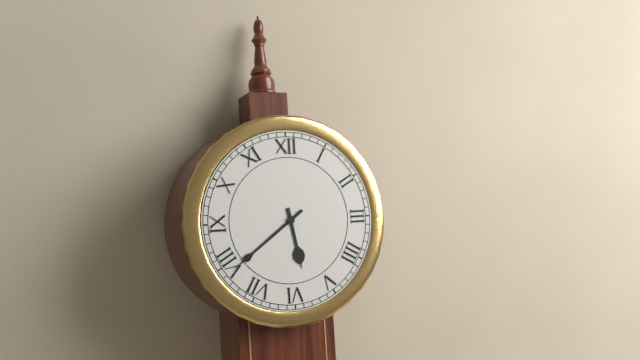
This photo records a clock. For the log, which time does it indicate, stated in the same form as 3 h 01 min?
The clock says 5 h 39 min
